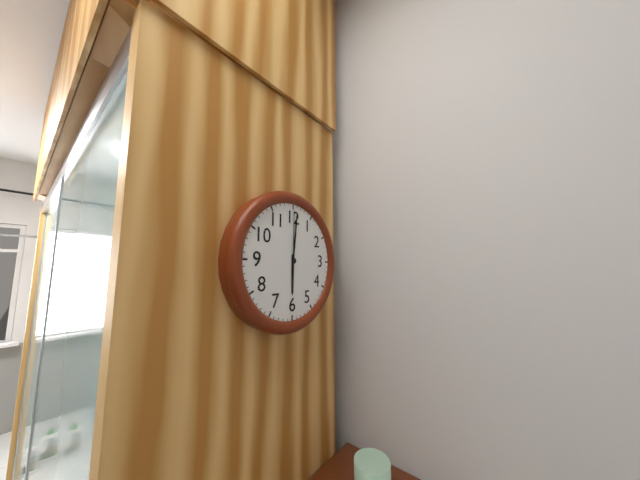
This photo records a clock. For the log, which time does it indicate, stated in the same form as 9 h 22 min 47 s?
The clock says 6 h 01 min 00 s
